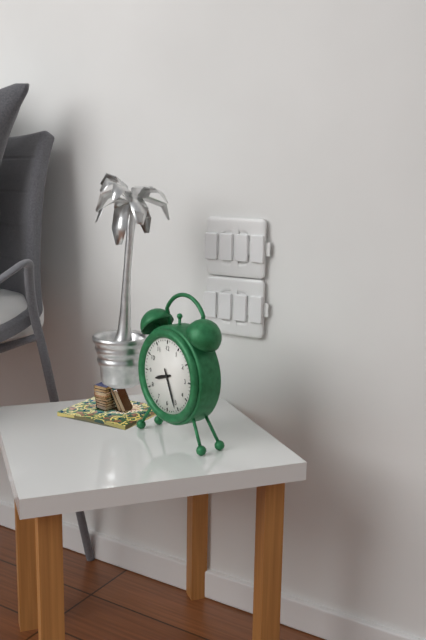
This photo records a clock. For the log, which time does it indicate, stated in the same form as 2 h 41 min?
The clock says 8 h 26 min
